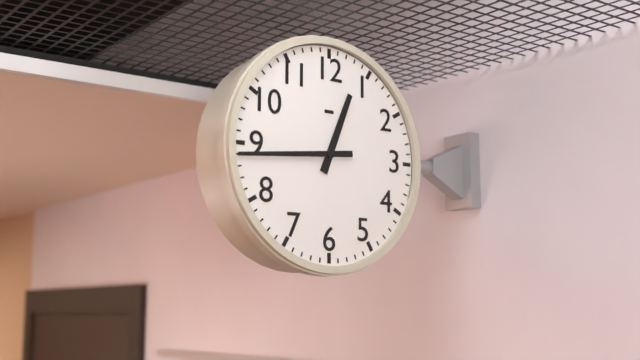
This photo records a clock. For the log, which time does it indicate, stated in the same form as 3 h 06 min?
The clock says 12 h 44 min
